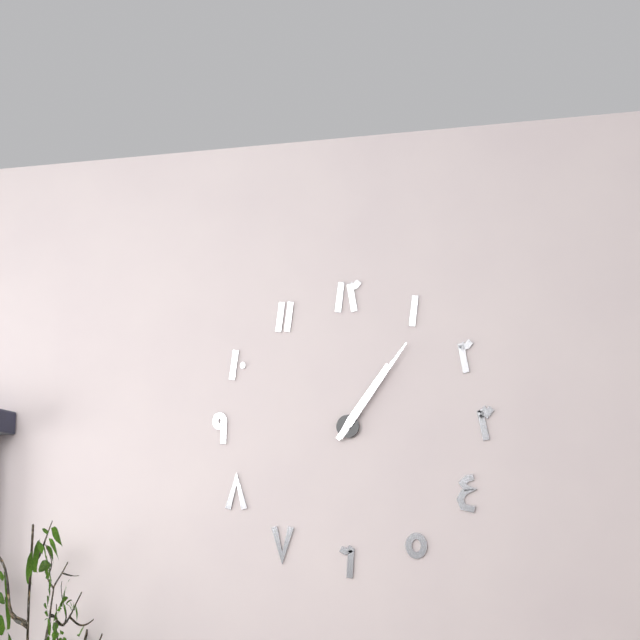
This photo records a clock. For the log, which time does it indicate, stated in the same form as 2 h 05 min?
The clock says 1 h 06 min
